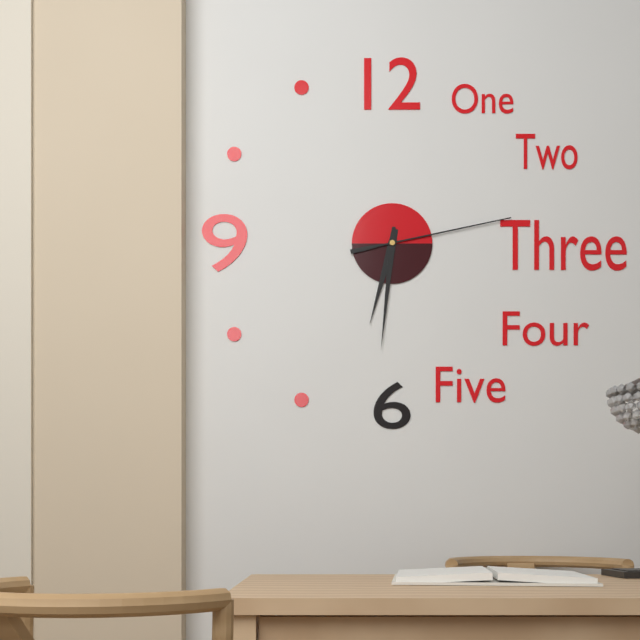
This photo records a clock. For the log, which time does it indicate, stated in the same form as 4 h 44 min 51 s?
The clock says 6 h 31 min 13 s
